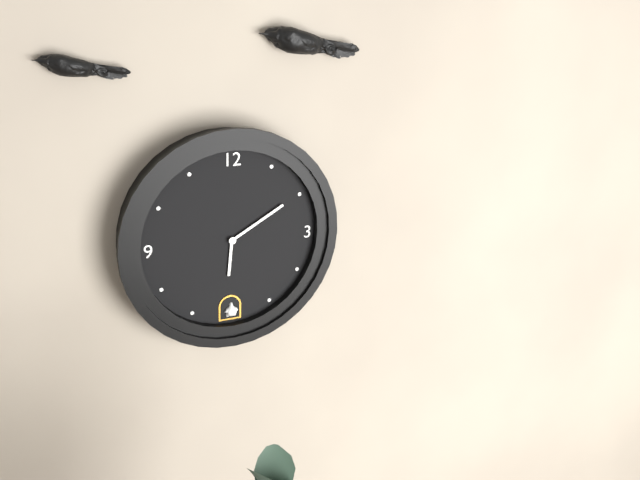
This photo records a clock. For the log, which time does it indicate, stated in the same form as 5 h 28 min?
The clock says 6 h 10 min
